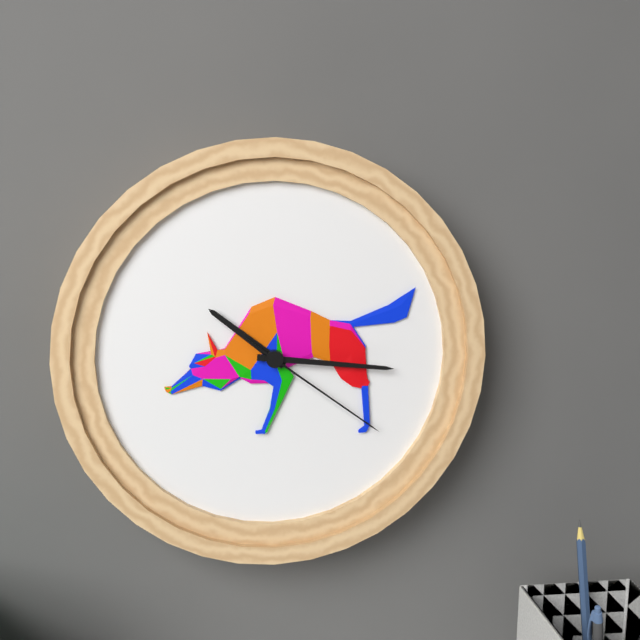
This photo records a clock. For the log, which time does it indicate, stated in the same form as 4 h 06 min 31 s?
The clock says 10 h 16 min 21 s
